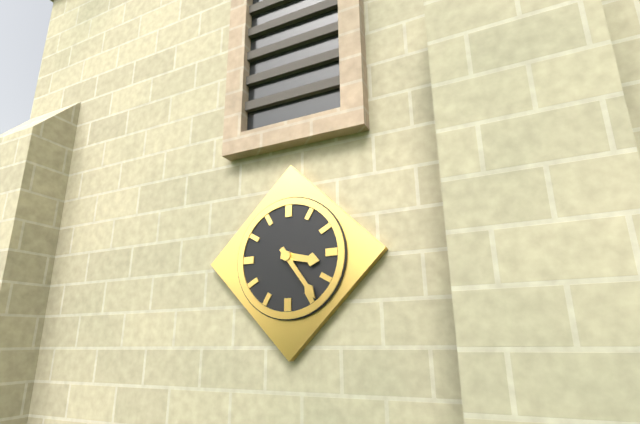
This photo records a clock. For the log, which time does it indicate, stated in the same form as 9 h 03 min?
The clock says 3 h 24 min
